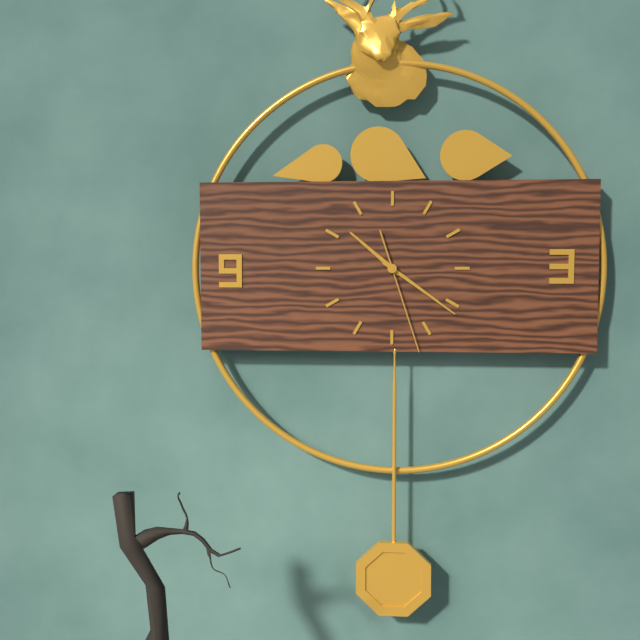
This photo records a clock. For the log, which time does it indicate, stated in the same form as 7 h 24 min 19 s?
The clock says 10 h 21 min 27 s
